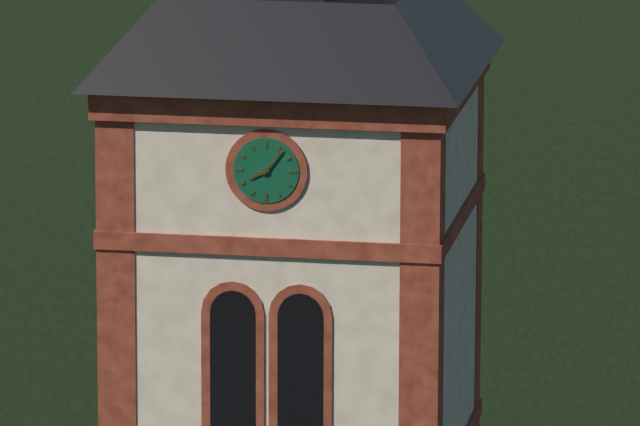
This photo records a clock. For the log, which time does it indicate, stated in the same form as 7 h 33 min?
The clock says 8 h 06 min
